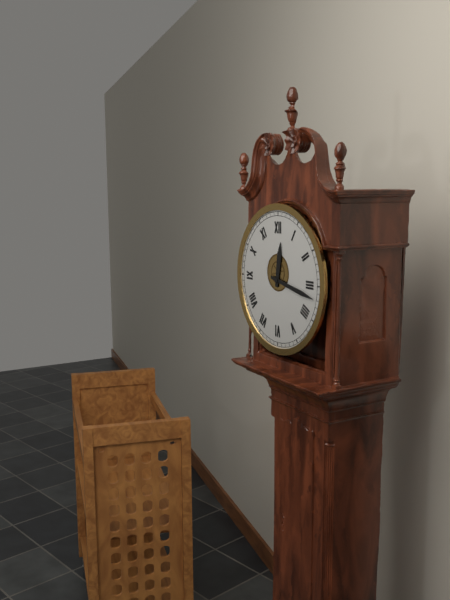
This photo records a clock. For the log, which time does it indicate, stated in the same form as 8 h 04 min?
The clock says 12 h 17 min
